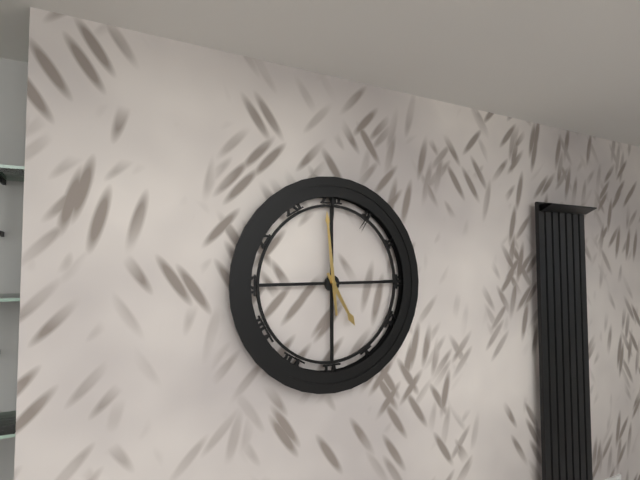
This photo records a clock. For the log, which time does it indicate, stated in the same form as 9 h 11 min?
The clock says 4 h 59 min
